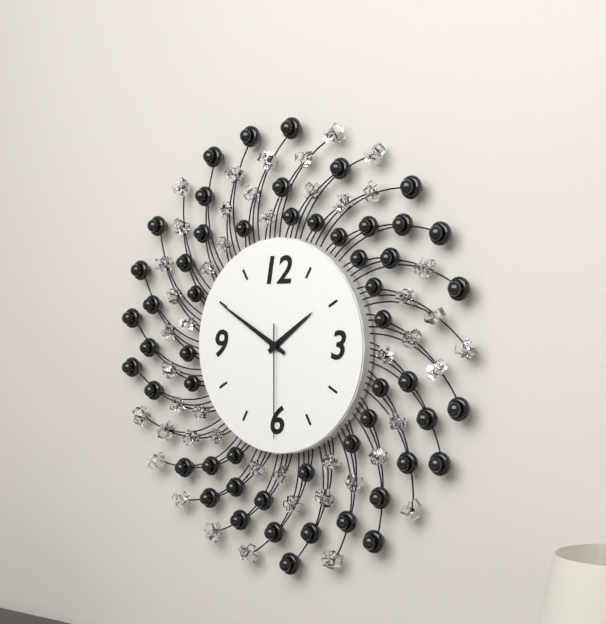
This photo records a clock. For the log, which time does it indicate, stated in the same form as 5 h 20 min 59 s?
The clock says 1 h 50 min 30 s
